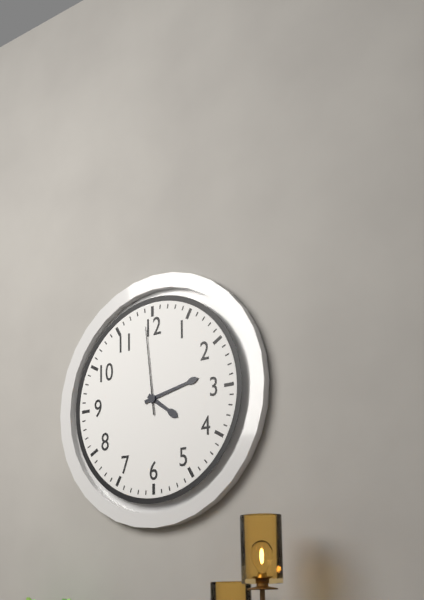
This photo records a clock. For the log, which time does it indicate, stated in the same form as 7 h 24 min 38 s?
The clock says 4 h 13 min 59 s
